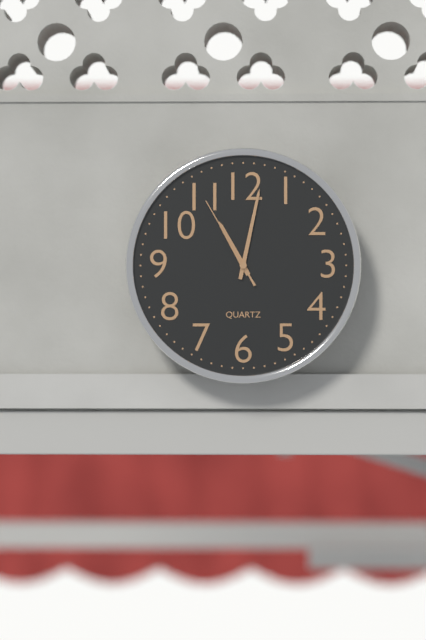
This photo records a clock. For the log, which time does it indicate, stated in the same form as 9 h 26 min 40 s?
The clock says 11 h 02 min 55 s
